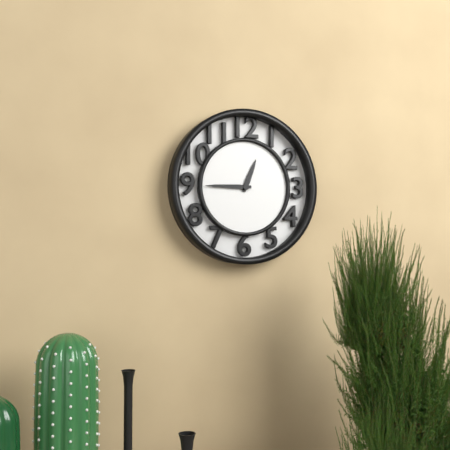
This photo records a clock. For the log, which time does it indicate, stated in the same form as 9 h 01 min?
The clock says 12 h 45 min
